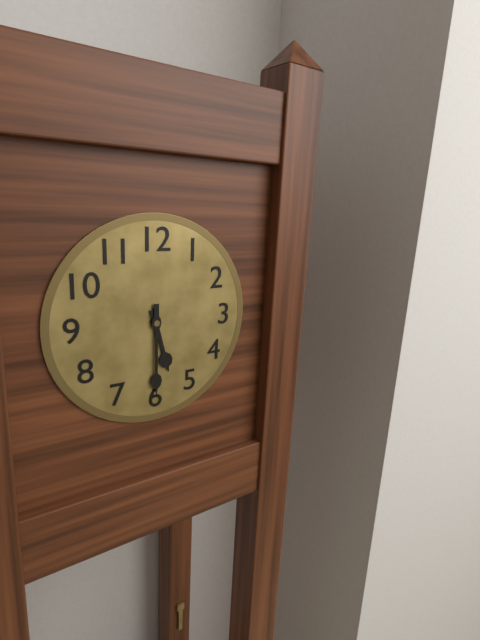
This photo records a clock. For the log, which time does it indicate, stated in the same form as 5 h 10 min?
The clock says 5 h 30 min
